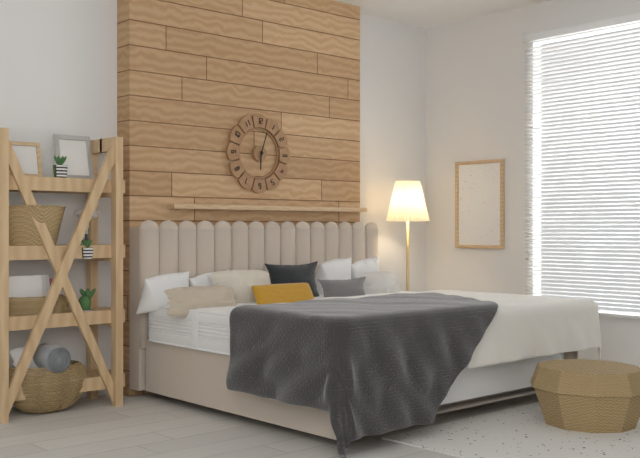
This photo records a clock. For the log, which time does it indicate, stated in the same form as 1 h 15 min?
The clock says 6 h 03 min
